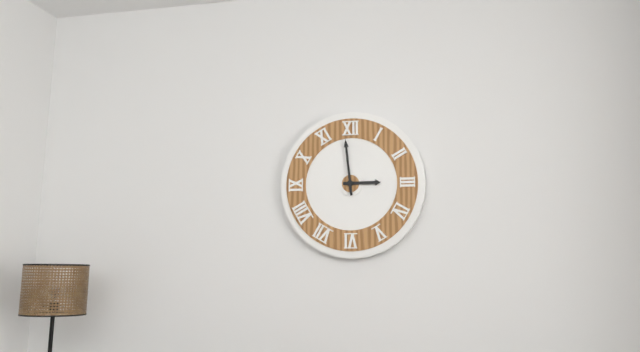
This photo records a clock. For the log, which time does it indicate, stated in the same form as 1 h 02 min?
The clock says 2 h 59 min
